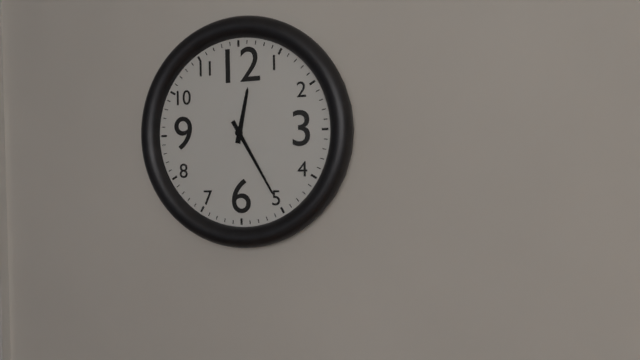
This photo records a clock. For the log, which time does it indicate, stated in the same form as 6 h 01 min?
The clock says 12 h 25 min
